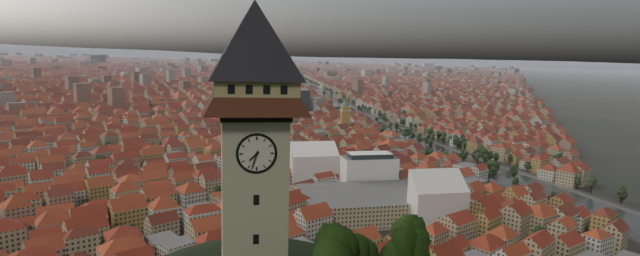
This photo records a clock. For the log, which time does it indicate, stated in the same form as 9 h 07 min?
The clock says 7 h 33 min
